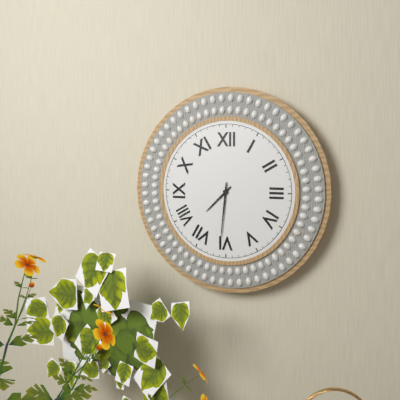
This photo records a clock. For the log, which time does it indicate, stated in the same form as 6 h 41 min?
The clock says 7 h 31 min
